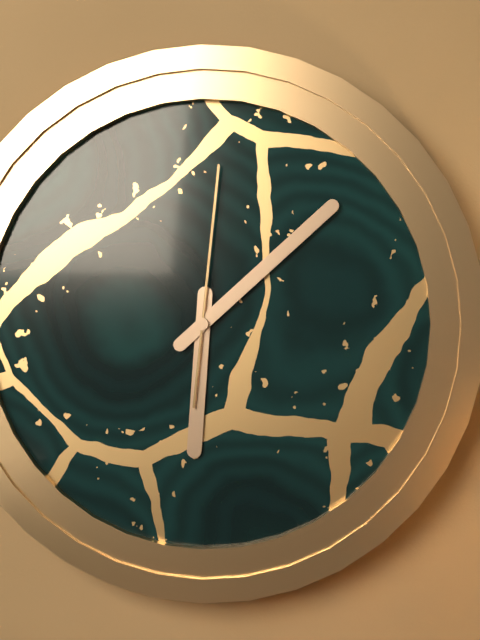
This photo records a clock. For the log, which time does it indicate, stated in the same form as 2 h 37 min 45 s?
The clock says 6 h 08 min 01 s
